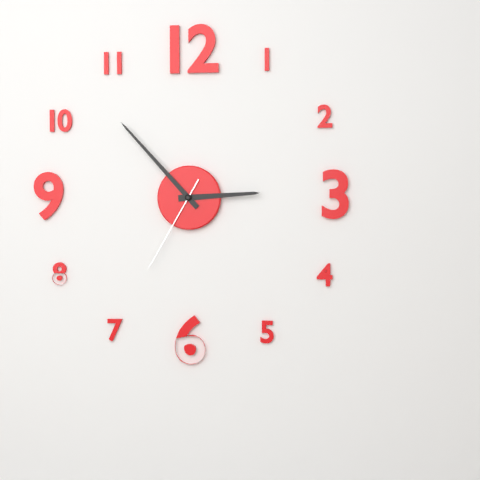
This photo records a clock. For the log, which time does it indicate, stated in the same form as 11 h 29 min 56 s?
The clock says 2 h 53 min 35 s
